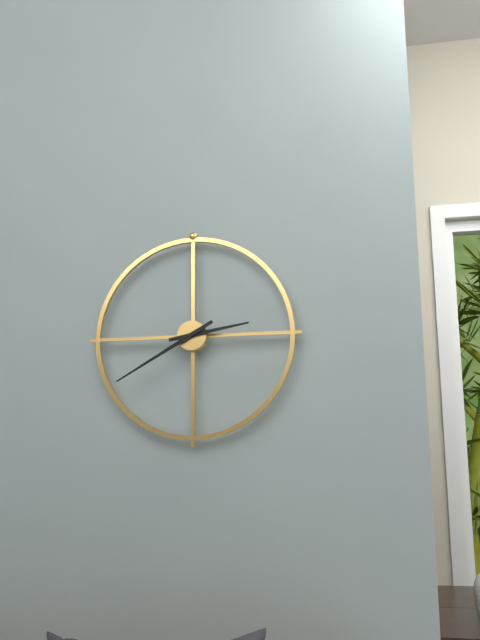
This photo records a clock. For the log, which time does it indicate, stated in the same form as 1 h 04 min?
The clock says 2 h 40 min
